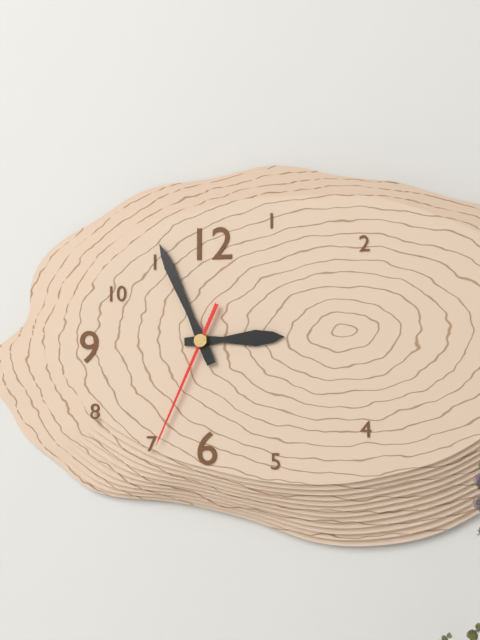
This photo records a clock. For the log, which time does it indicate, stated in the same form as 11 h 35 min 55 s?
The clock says 2 h 56 min 34 s
